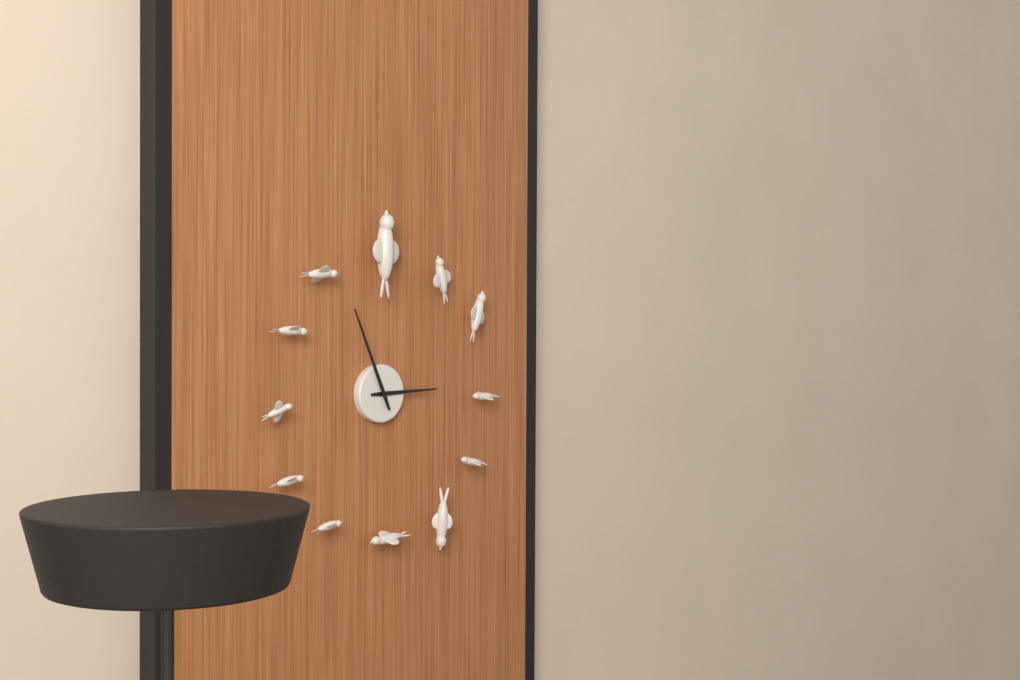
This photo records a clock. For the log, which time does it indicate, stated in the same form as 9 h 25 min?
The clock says 2 h 56 min
